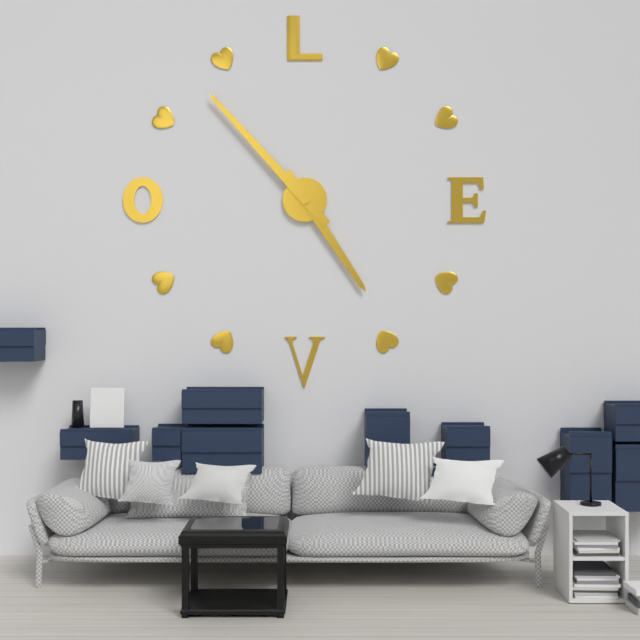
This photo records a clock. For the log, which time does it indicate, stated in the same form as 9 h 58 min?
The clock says 4 h 53 min
